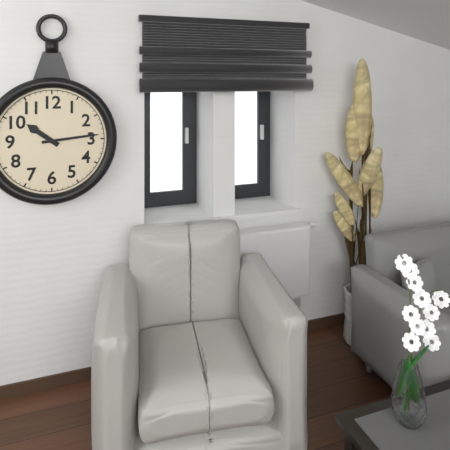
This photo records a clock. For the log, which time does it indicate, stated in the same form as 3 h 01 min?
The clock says 10 h 14 min
